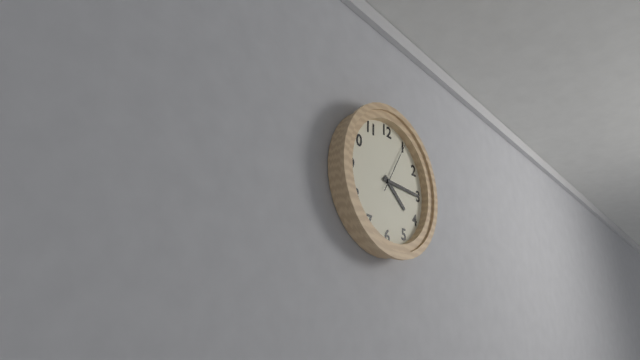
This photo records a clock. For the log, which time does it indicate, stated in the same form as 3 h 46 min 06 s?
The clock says 4 h 15 min 05 s
